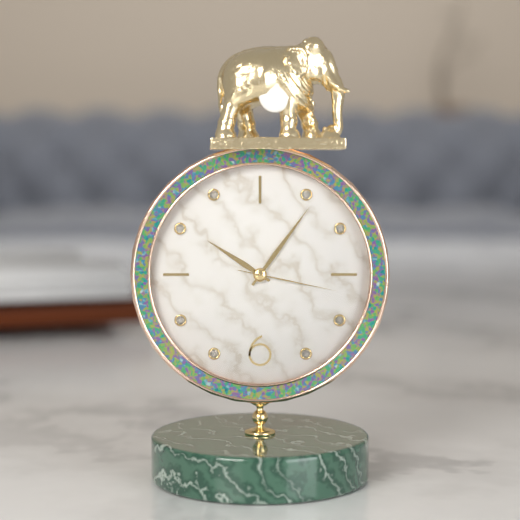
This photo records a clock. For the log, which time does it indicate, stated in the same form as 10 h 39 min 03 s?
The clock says 10 h 06 min 17 s
